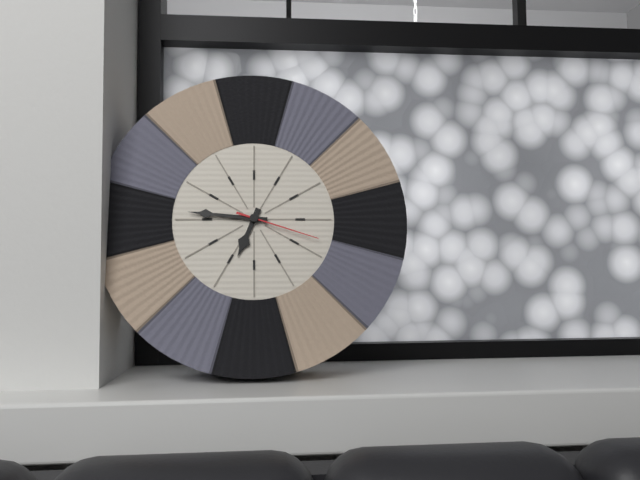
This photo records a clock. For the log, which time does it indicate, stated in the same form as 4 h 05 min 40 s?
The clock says 6 h 46 min 18 s
